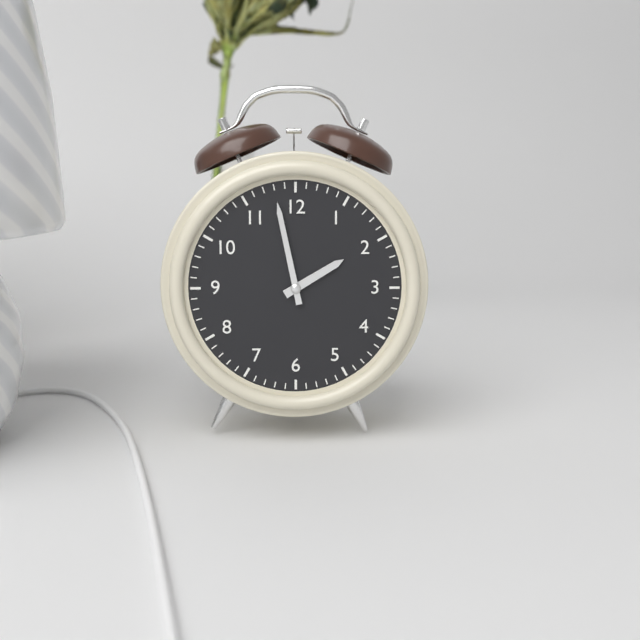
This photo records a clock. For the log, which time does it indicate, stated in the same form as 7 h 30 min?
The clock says 1 h 58 min
